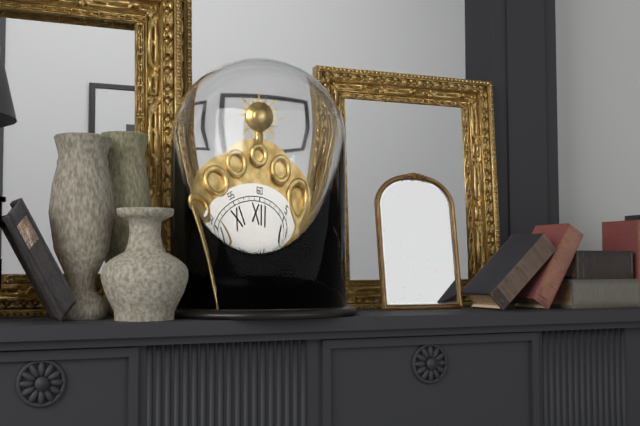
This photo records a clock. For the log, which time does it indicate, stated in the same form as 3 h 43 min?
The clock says 1 h 51 min
